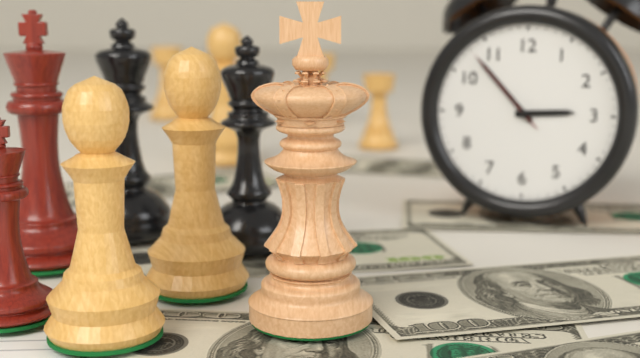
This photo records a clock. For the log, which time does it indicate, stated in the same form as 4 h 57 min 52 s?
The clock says 2 h 53 min 53 s
